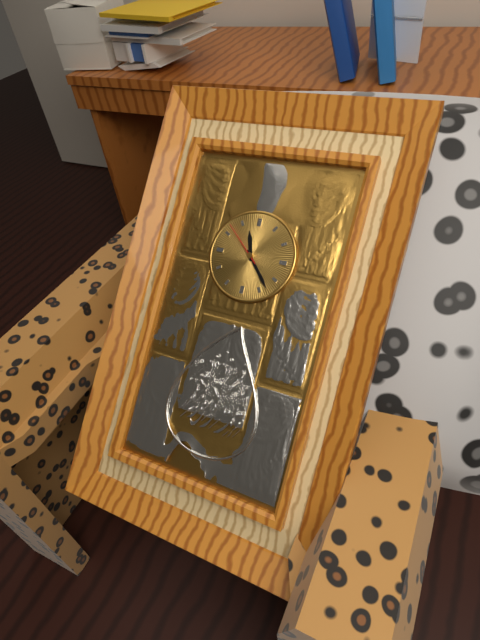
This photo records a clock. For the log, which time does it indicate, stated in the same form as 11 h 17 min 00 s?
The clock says 11 h 23 min 52 s
